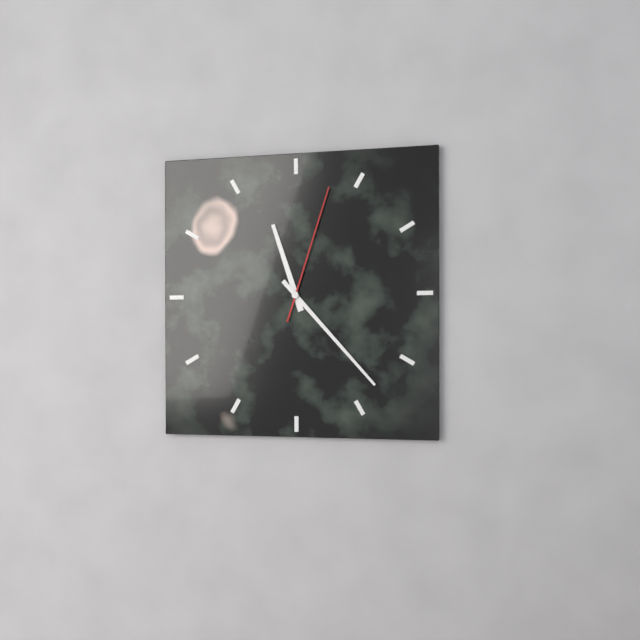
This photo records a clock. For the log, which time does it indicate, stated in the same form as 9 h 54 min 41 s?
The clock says 11 h 23 min 03 s
